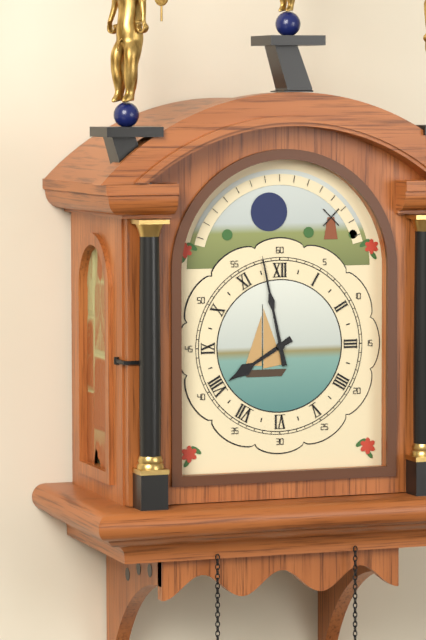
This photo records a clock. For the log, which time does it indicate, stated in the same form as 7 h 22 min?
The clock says 7 h 58 min
